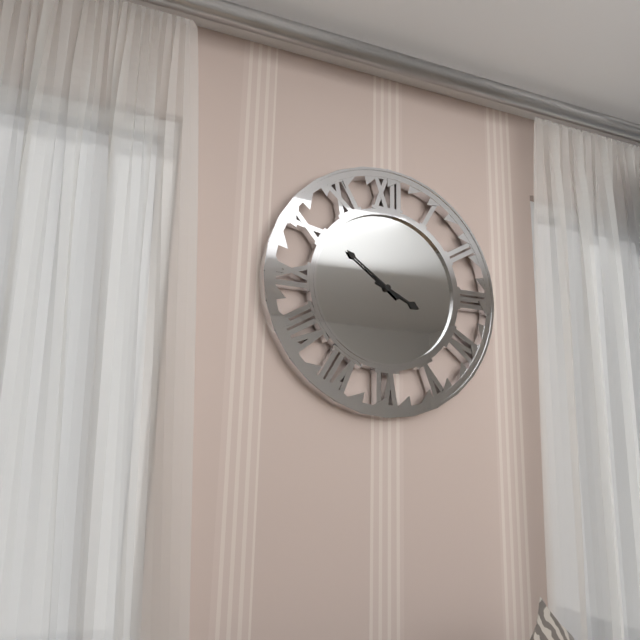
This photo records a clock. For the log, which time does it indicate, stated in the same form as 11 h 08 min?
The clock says 3 h 51 min
